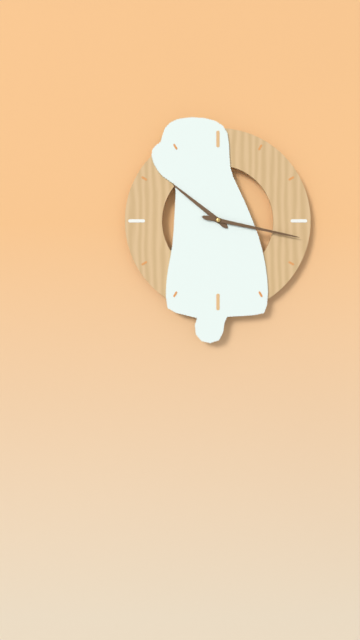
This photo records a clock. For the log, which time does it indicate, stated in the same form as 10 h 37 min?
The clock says 10 h 17 min
